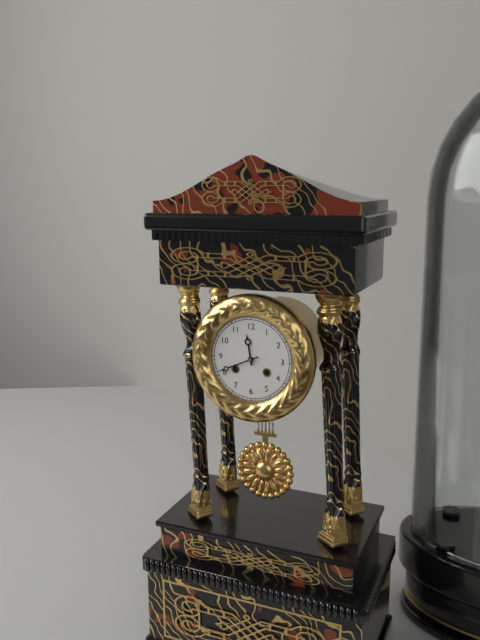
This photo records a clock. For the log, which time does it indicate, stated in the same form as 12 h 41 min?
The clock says 11 h 41 min
